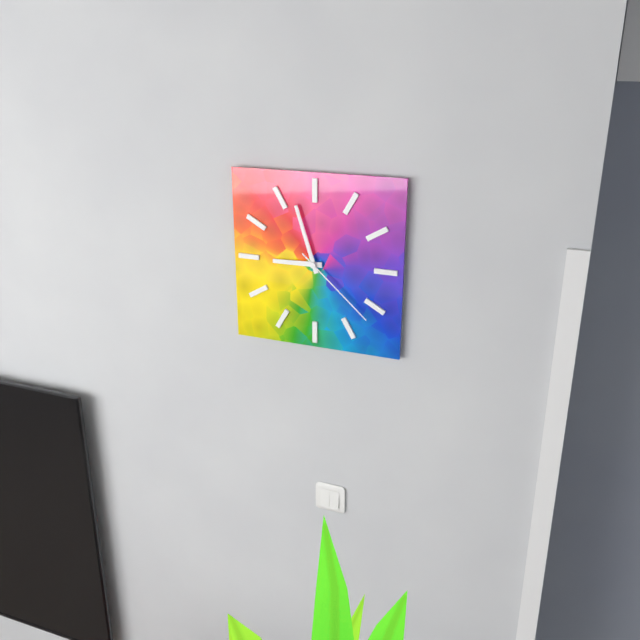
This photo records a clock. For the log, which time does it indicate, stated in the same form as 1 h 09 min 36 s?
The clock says 8 h 57 min 22 s
